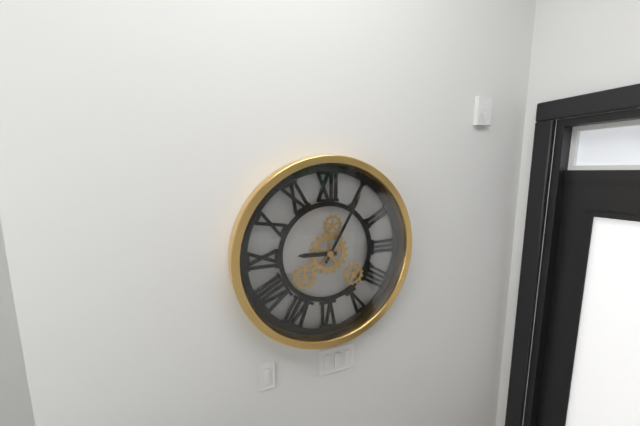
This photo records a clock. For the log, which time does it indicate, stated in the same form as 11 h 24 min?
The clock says 9 h 05 min
